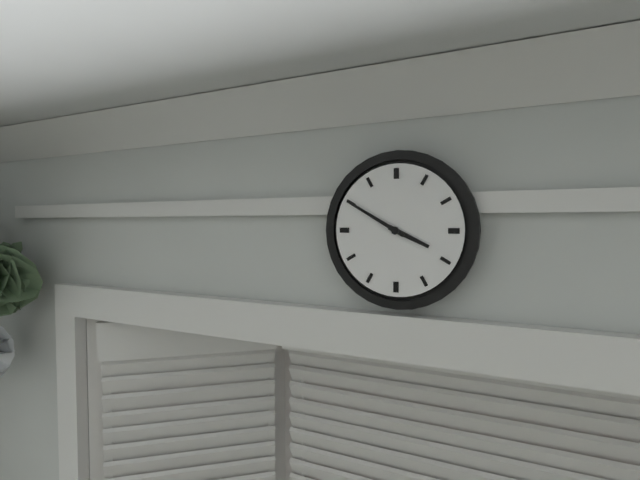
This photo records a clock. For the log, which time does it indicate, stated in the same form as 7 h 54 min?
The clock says 3 h 50 min
